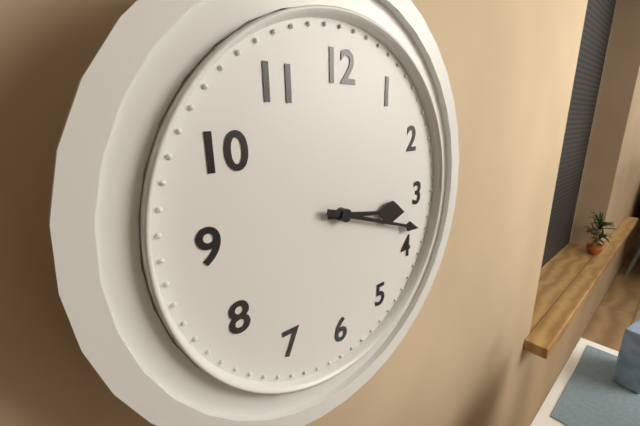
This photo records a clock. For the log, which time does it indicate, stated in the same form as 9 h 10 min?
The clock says 3 h 18 min
